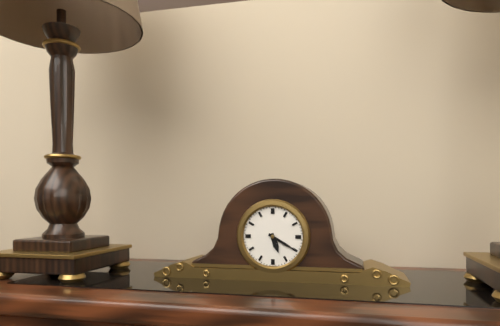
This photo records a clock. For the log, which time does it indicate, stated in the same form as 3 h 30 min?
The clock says 5 h 20 min
